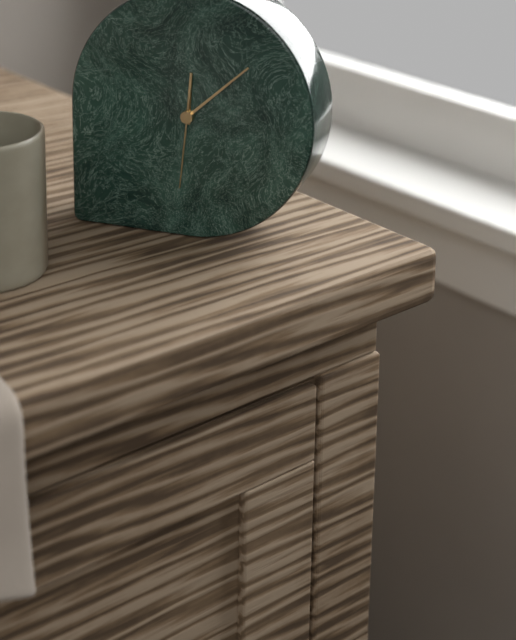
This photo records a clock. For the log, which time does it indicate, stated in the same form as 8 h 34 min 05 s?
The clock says 12 h 08 min 31 s
